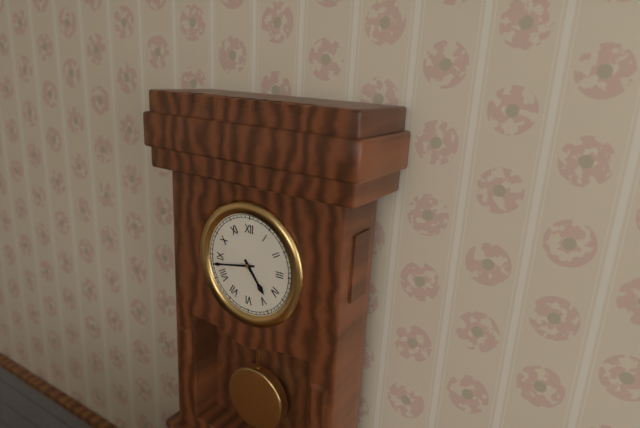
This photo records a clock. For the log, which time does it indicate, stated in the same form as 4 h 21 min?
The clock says 4 h 43 min
